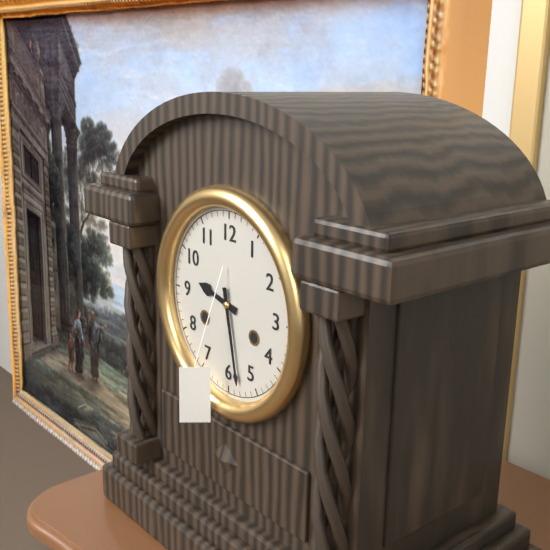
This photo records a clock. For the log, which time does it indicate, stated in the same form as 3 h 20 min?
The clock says 9 h 28 min
